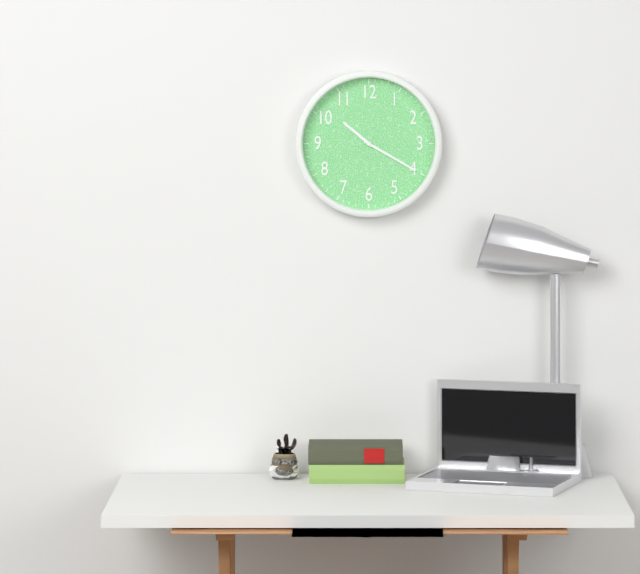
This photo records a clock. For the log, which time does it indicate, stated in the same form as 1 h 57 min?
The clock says 10 h 20 min
